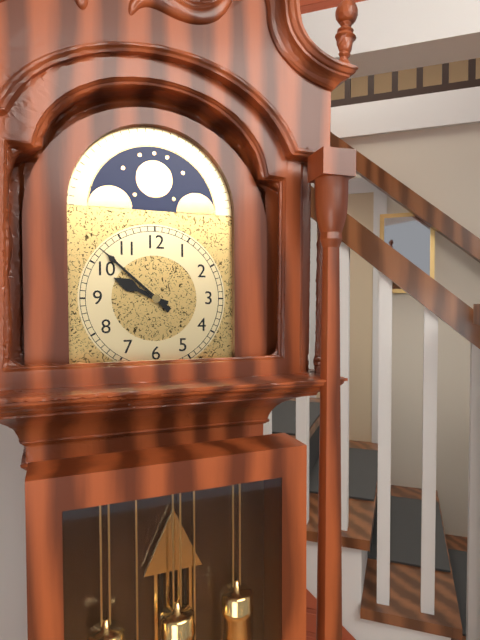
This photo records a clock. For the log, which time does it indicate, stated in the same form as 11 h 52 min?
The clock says 9 h 52 min
